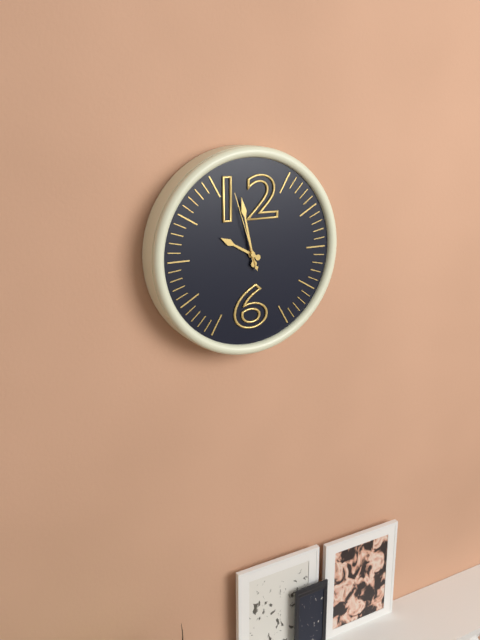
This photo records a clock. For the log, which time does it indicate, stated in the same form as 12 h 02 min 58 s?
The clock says 9 h 58 min 57 s
